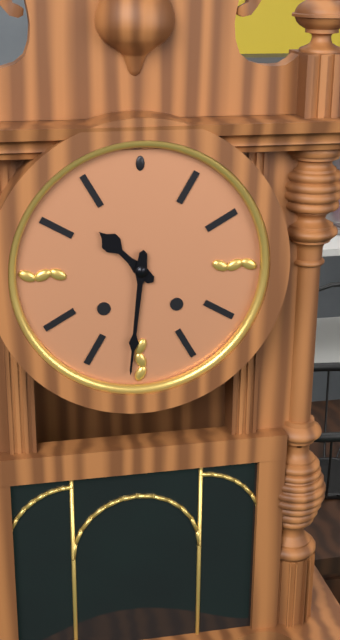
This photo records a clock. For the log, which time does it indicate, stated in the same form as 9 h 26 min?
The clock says 10 h 31 min
